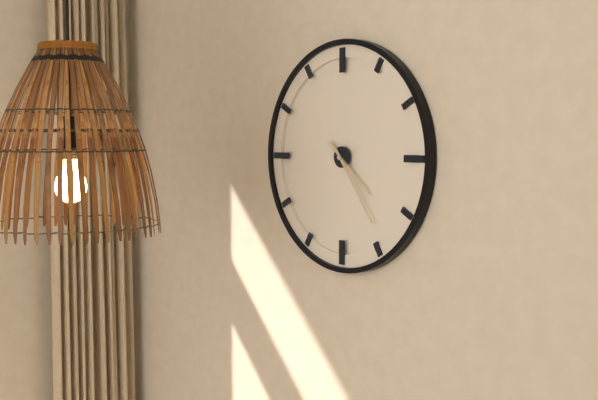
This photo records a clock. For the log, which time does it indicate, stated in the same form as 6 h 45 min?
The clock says 4 h 24 min
